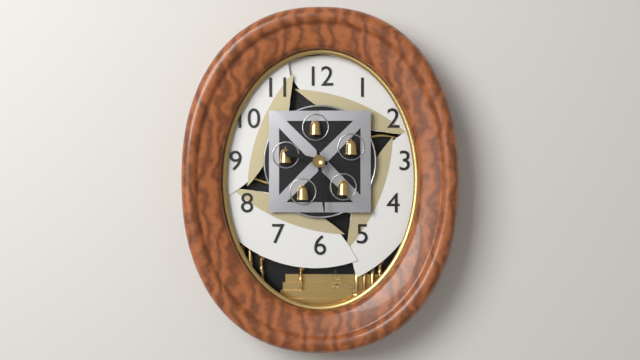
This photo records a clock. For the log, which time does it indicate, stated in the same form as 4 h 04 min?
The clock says 9 h 29 min
